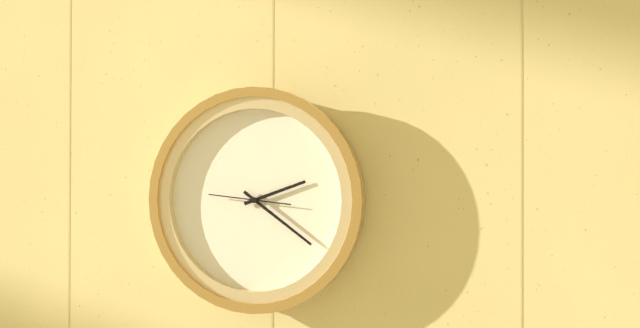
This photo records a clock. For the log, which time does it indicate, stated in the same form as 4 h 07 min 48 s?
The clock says 2 h 21 min 46 s
